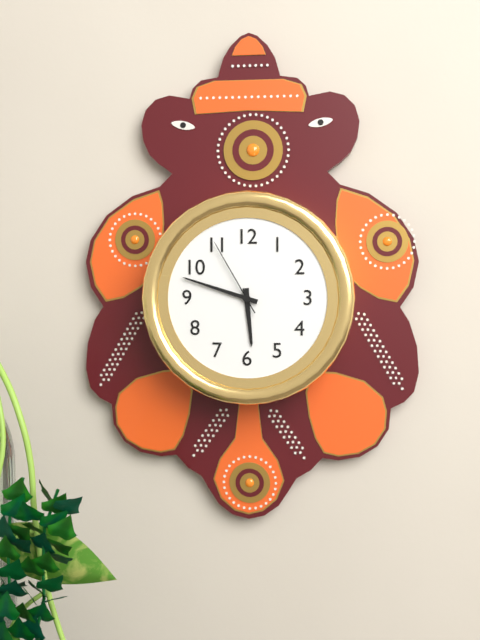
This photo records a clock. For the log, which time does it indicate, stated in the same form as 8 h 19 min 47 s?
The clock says 5 h 48 min 55 s
